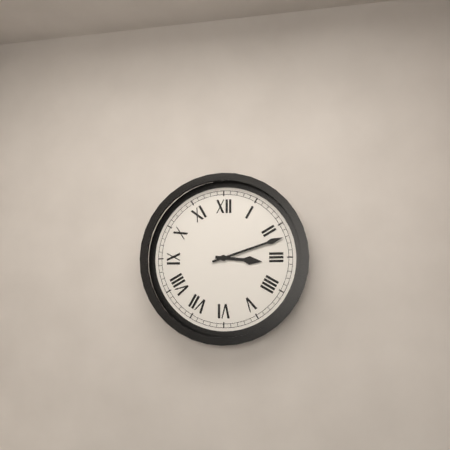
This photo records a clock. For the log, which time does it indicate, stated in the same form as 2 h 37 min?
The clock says 3 h 12 min
